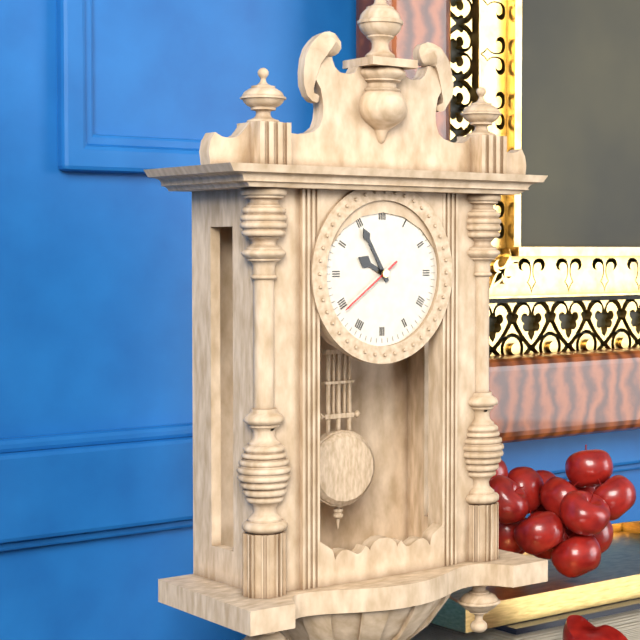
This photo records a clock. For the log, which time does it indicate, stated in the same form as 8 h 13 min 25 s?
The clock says 9 h 55 min 39 s
